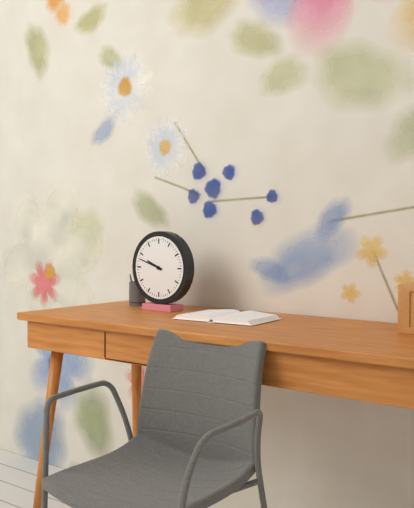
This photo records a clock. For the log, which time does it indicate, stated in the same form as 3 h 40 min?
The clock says 9 h 48 min
